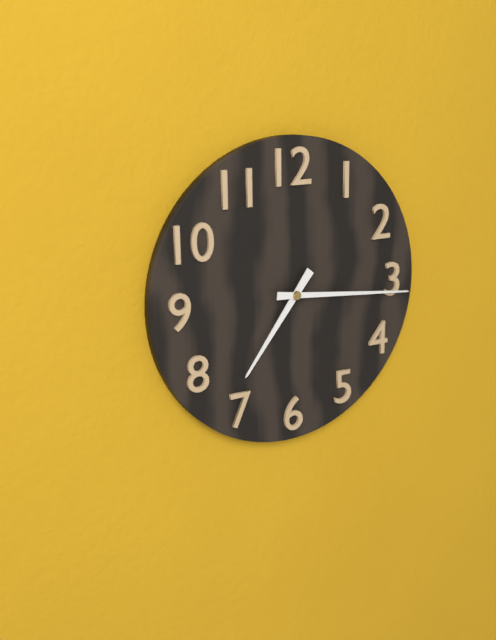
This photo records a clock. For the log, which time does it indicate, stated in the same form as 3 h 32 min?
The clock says 7 h 16 min
